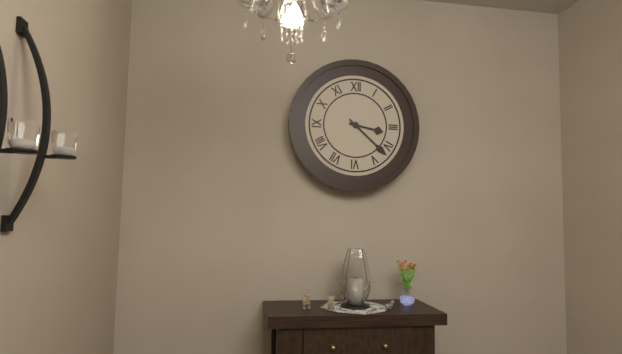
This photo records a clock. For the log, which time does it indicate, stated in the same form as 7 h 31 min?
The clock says 3 h 22 min
